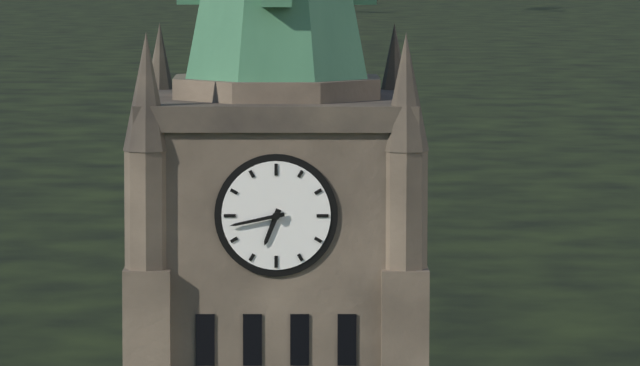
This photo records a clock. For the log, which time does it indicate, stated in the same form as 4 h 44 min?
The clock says 6 h 43 min
